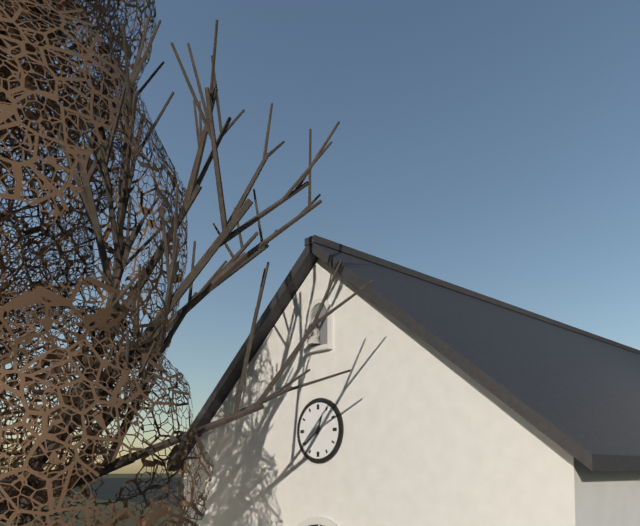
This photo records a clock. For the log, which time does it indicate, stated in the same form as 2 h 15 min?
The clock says 12 h 39 min
